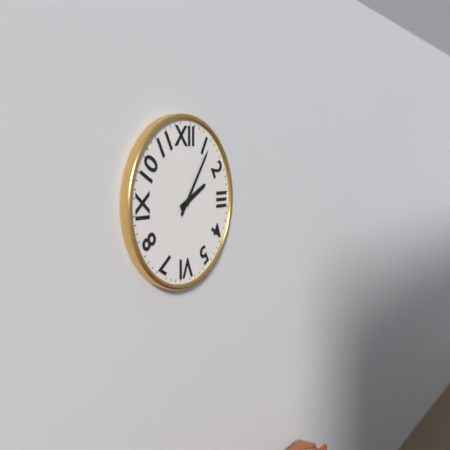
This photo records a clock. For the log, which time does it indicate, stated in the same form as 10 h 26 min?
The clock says 2 h 06 min
